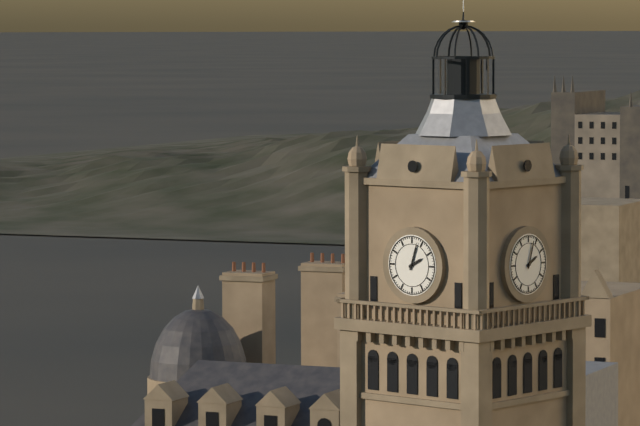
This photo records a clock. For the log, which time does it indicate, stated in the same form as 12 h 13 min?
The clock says 2 h 03 min
